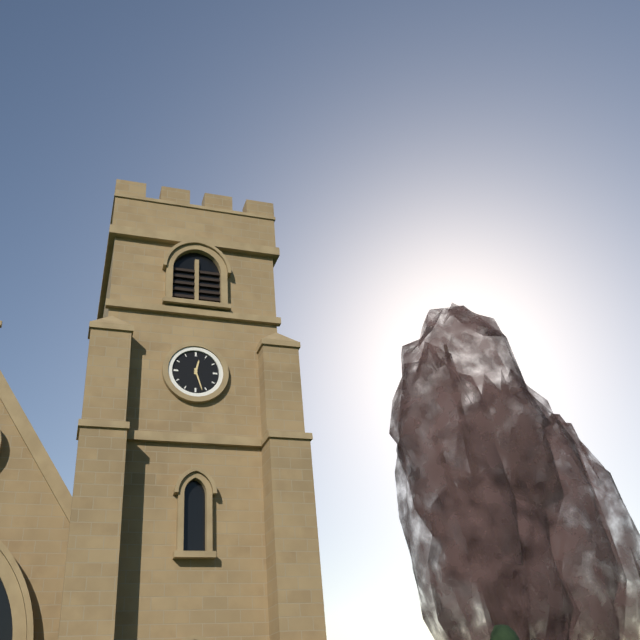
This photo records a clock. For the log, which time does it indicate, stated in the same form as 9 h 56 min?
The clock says 12 h 27 min
